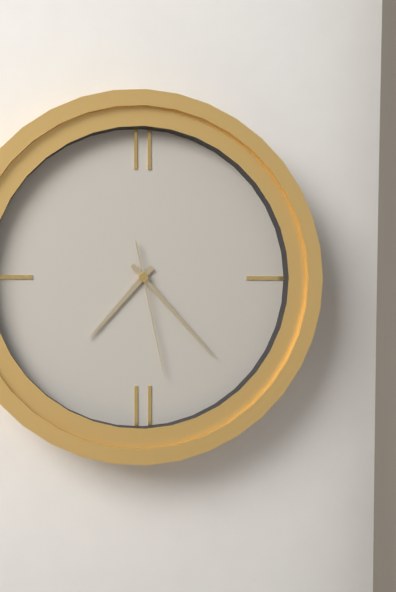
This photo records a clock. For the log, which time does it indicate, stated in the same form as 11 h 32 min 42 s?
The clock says 7 h 23 min 28 s
